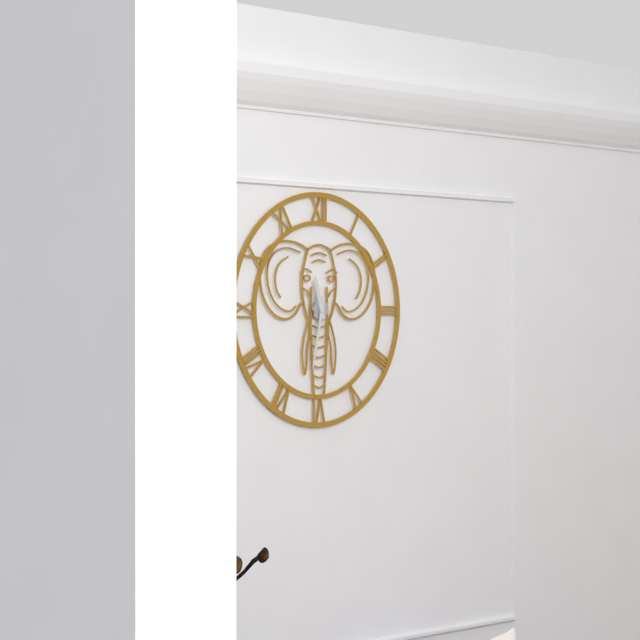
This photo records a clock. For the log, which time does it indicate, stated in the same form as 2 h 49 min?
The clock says 11 h 32 min
